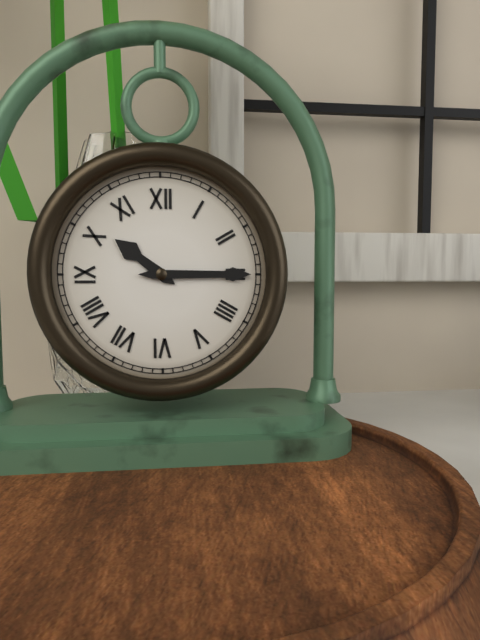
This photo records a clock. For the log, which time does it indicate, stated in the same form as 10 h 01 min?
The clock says 10 h 15 min
